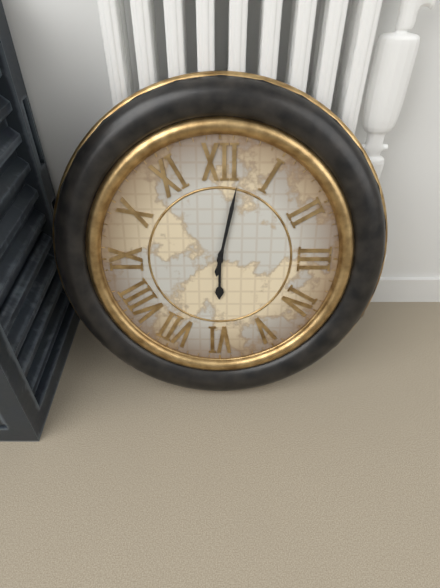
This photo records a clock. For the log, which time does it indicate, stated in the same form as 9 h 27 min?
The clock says 6 h 02 min
